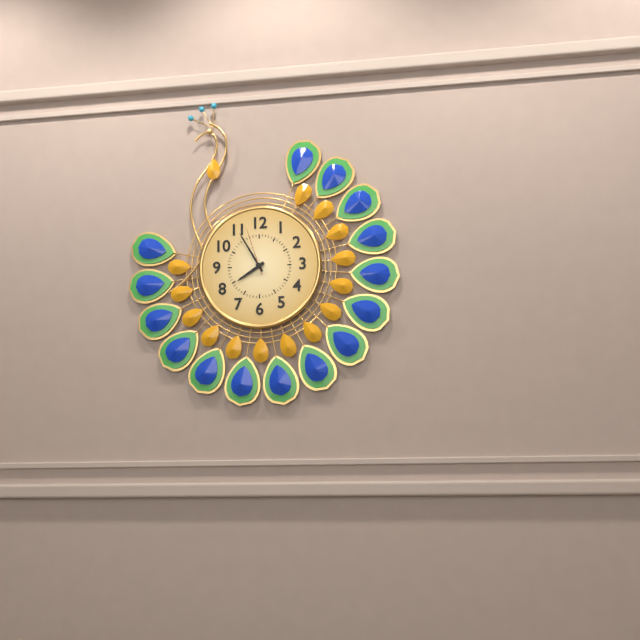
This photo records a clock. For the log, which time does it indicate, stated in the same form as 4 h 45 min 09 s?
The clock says 7 h 55 min 57 s
